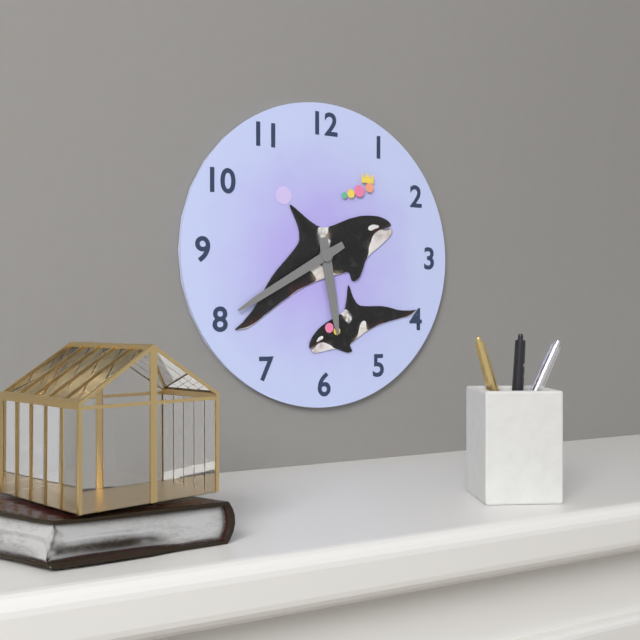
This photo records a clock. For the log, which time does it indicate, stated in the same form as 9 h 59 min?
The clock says 5 h 40 min
